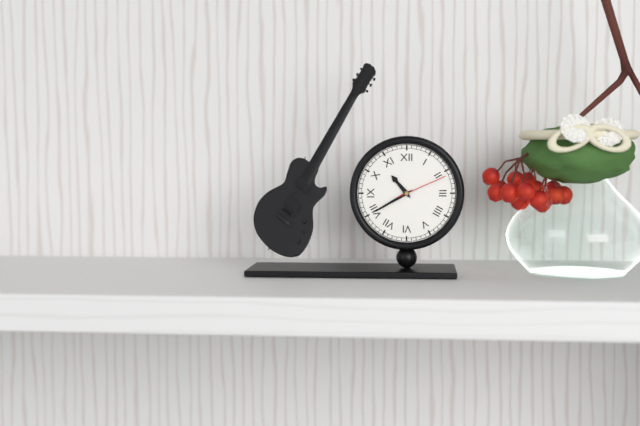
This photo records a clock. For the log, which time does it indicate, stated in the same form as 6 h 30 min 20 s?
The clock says 10 h 40 min 11 s
